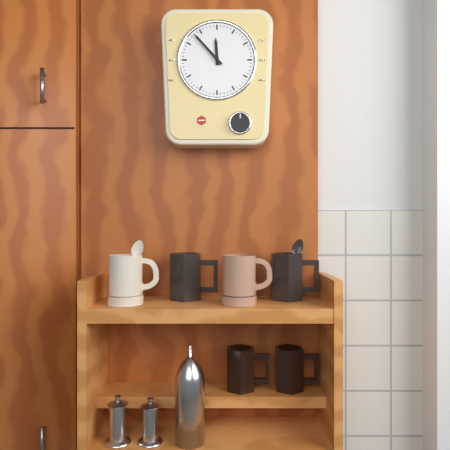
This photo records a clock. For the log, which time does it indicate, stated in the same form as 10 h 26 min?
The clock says 11 h 53 min
